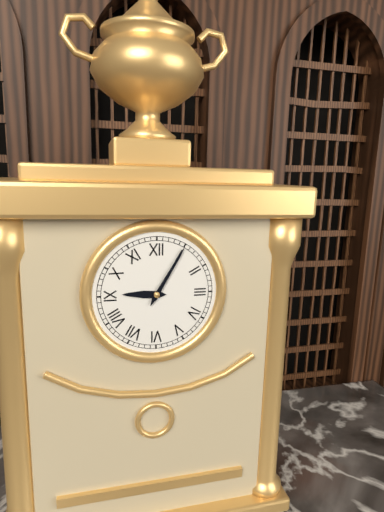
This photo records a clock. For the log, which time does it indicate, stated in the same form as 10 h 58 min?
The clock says 9 h 05 min
